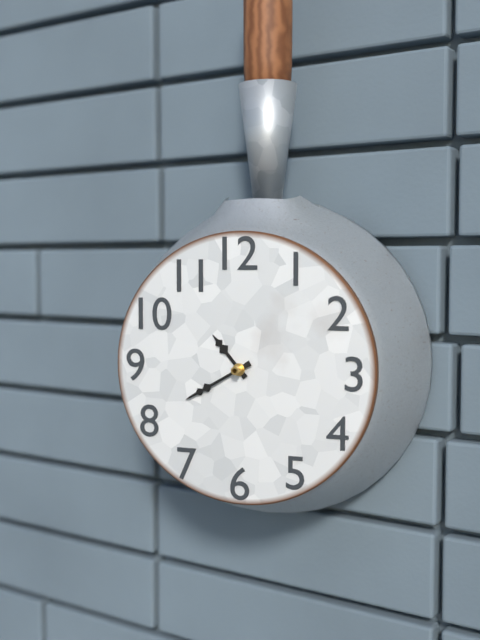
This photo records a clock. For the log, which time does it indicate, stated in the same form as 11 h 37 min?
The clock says 10 h 40 min
